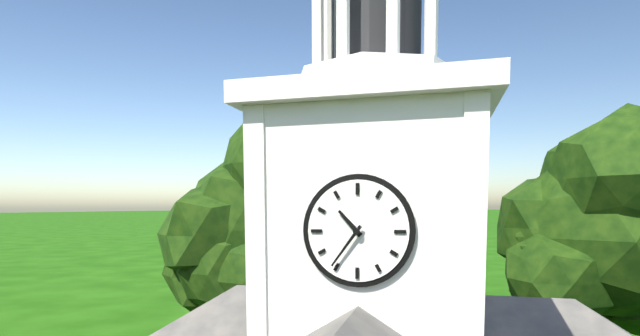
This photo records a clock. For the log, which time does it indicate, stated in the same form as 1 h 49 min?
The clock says 10 h 36 min
